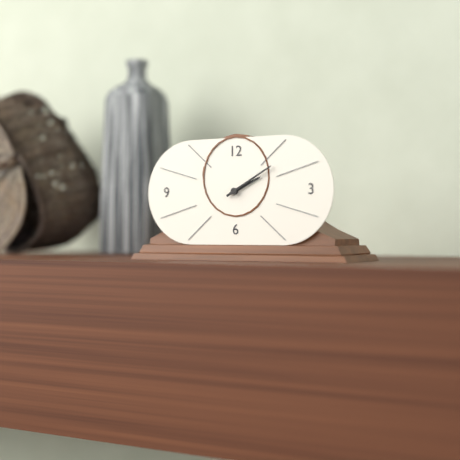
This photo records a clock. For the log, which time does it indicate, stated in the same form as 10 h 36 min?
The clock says 2 h 10 min
